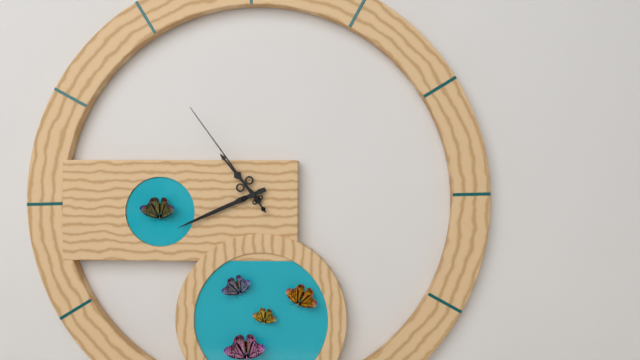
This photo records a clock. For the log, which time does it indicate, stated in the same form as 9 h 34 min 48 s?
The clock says 10 h 41 min 54 s
